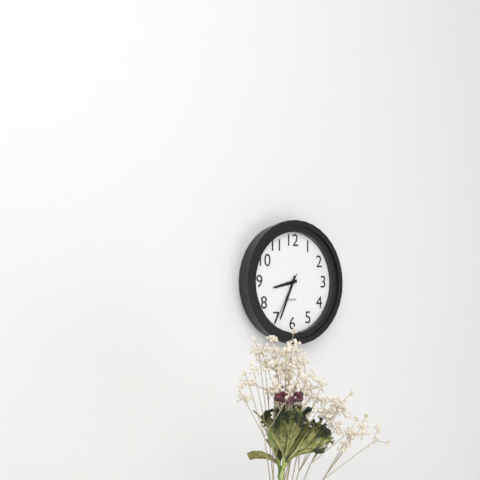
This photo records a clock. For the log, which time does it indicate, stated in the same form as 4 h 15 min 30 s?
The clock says 8 h 34 min 35 s
